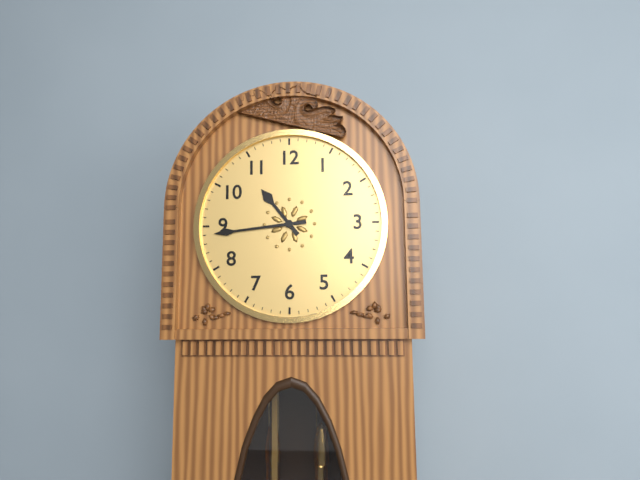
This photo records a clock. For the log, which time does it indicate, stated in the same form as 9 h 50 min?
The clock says 10 h 44 min
